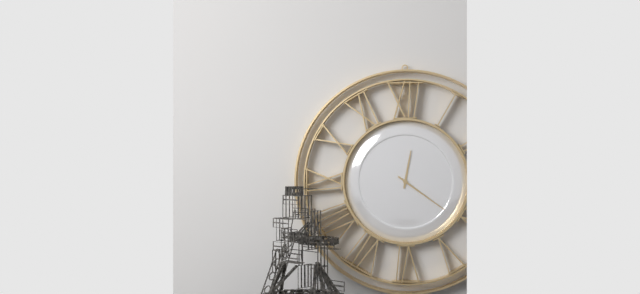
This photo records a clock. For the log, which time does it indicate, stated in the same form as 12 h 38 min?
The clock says 12 h 21 min
